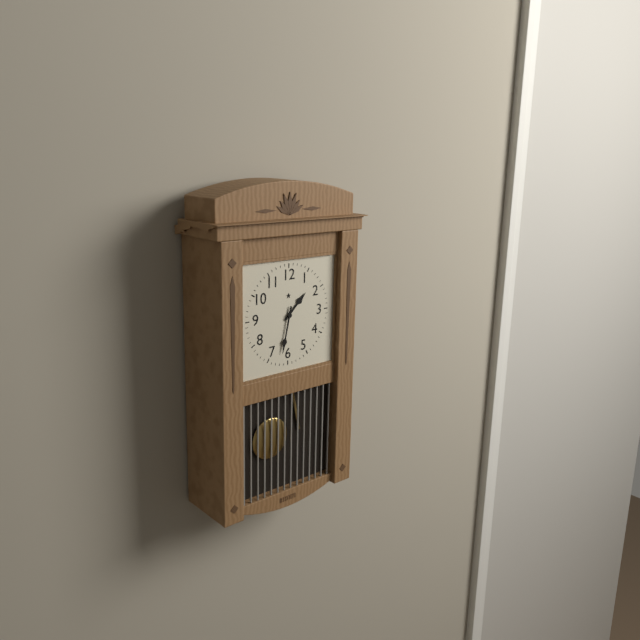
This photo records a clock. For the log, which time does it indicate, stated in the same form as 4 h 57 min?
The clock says 1 h 32 min
